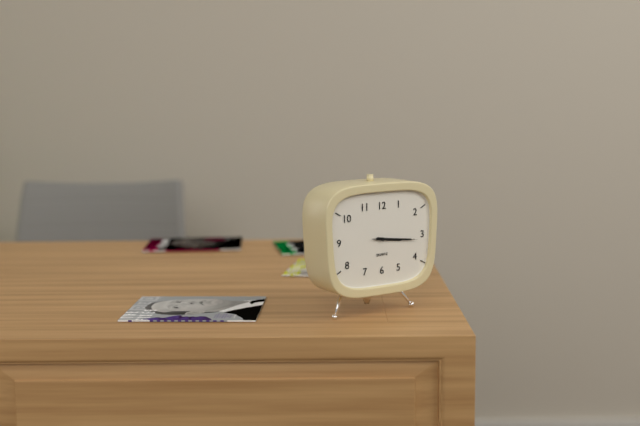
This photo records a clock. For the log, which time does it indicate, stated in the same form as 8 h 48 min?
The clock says 3 h 16 min
